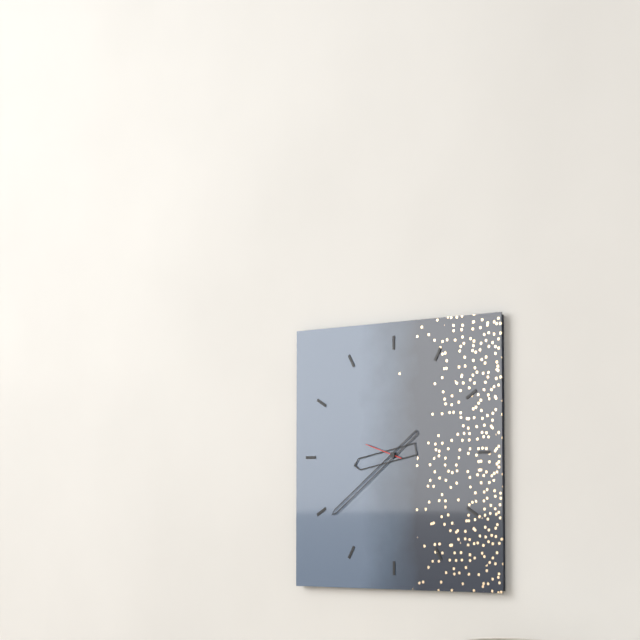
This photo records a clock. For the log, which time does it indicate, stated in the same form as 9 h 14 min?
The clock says 8 h 39 min
